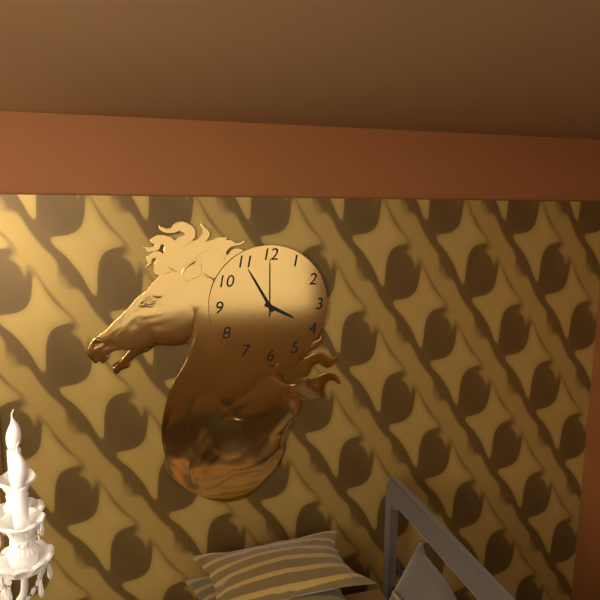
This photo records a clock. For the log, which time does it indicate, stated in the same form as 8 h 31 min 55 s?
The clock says 3 h 55 min 00 s
